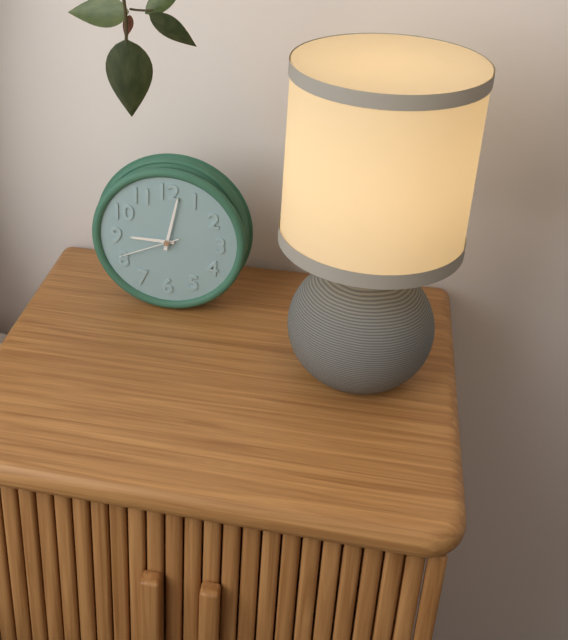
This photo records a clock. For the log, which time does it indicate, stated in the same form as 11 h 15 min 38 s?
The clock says 9 h 02 min 41 s
